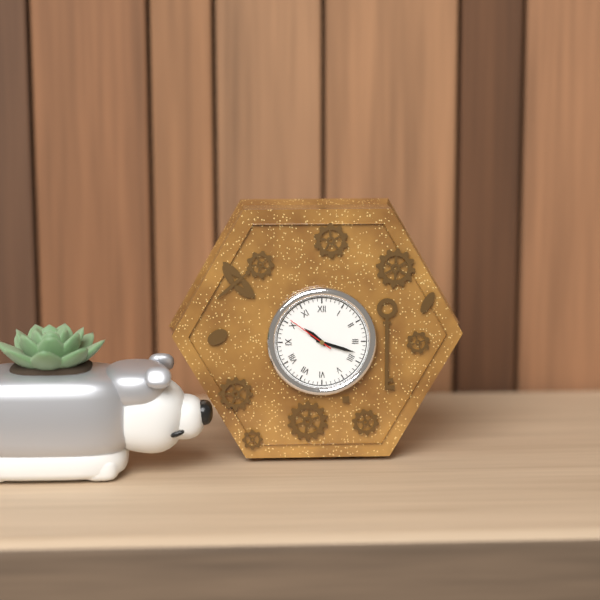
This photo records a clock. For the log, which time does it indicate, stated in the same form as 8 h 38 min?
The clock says 10 h 18 min
